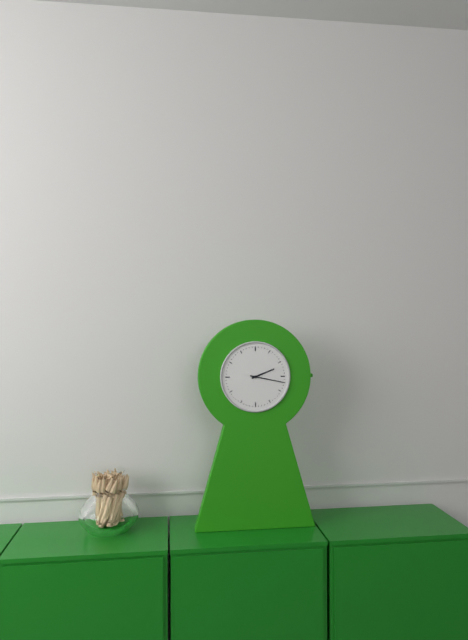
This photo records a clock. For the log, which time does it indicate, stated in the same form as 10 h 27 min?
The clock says 2 h 17 min
